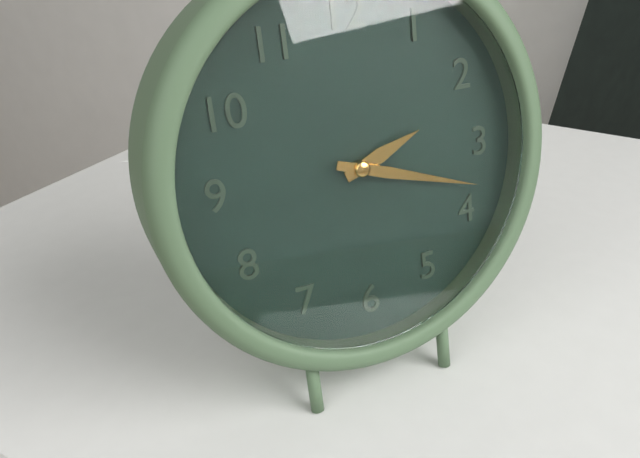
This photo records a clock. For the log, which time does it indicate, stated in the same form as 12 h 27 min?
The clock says 2 h 18 min
